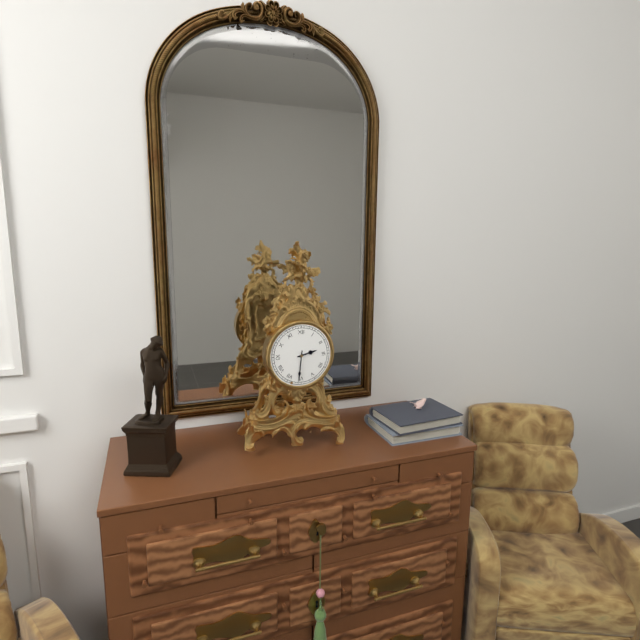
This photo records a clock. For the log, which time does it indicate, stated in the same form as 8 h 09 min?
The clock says 2 h 31 min
